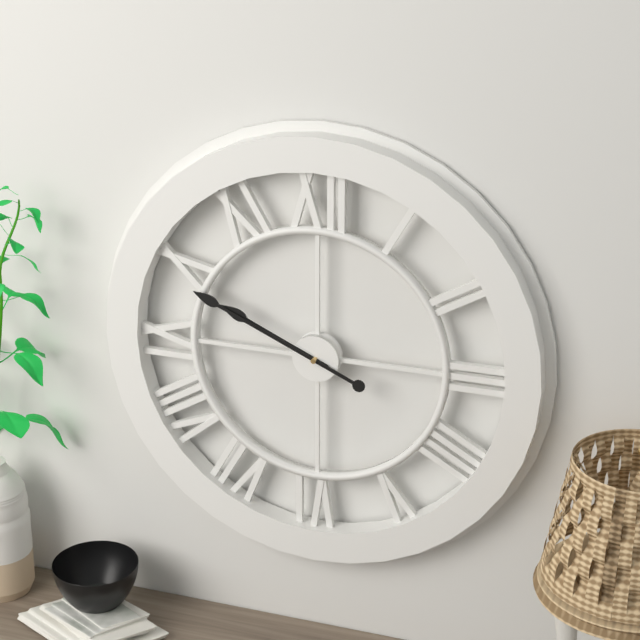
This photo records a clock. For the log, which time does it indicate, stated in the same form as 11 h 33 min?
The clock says 9 h 49 min
